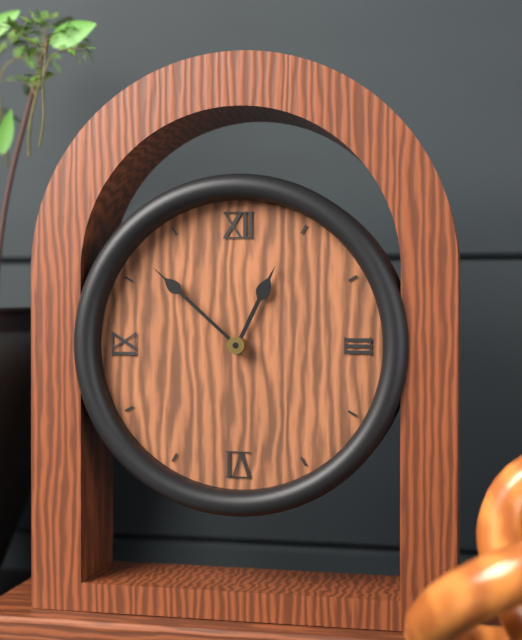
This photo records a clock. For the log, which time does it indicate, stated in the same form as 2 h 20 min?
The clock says 12 h 52 min
